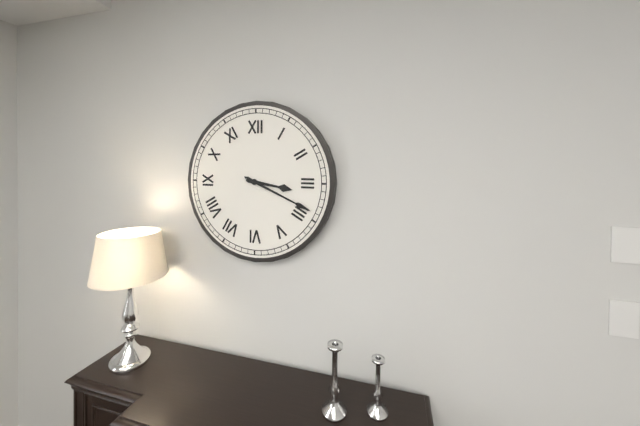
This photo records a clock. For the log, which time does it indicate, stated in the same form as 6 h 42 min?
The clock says 3 h 19 min
